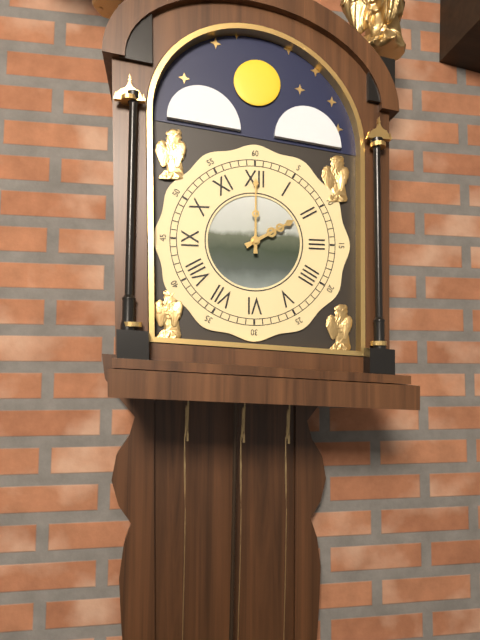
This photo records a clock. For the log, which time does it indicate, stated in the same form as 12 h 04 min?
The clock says 2 h 00 min
